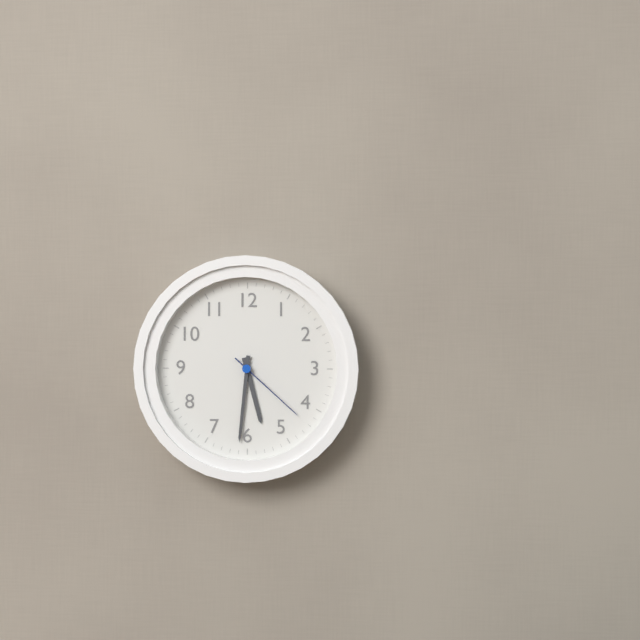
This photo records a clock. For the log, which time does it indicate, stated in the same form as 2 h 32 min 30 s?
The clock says 5 h 31 min 22 s
